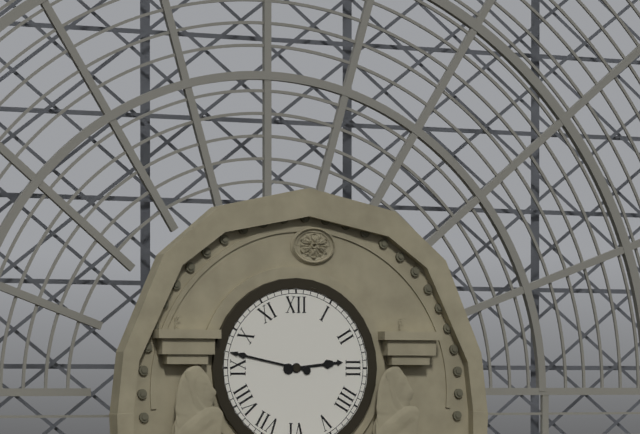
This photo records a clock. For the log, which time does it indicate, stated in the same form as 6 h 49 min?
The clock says 2 h 47 min
